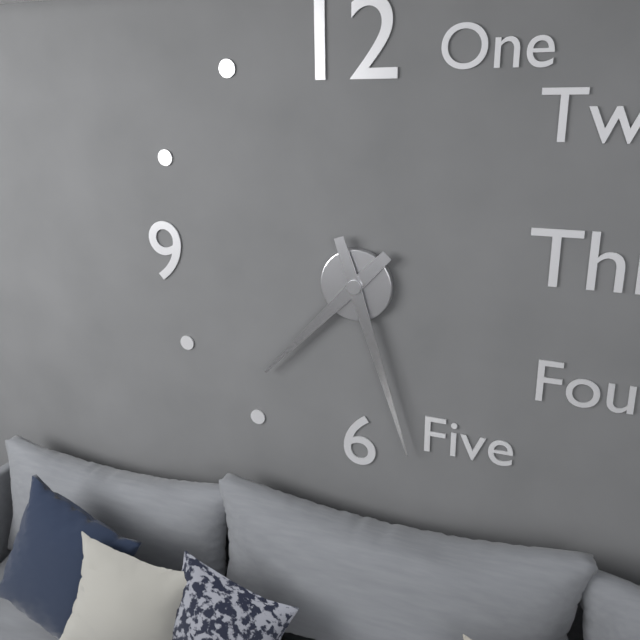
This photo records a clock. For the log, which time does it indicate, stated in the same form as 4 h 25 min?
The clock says 7 h 27 min
